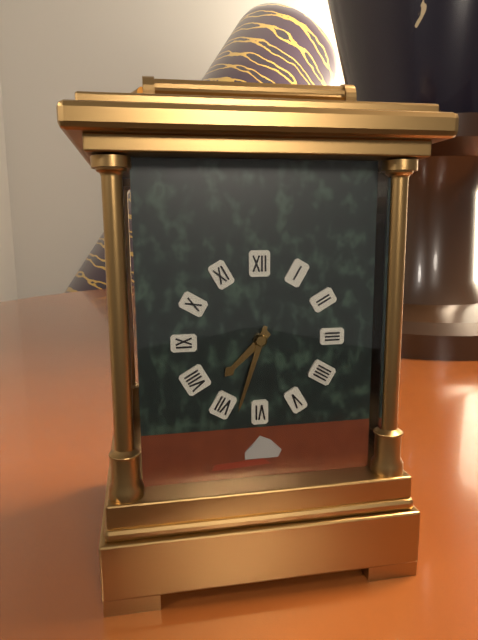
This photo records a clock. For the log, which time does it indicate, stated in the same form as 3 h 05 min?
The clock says 7 h 33 min
